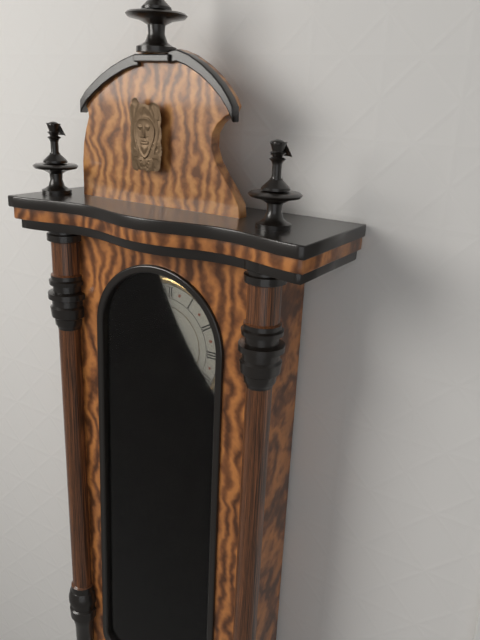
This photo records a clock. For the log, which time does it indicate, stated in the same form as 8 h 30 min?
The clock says 10 h 21 min
